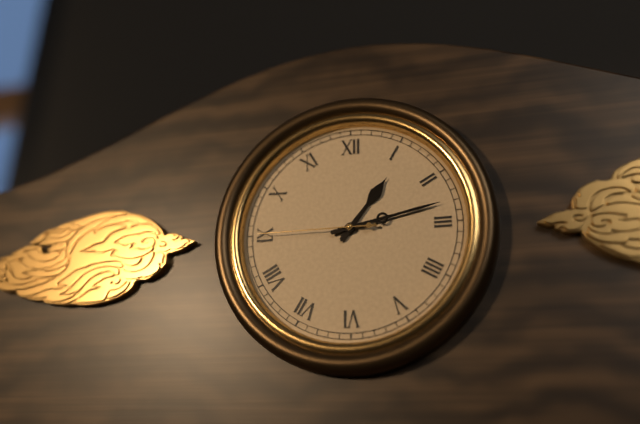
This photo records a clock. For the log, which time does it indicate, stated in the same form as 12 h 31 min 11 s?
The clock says 1 h 13 min 45 s
